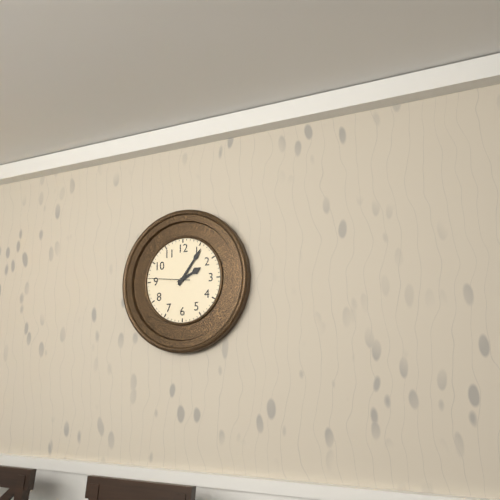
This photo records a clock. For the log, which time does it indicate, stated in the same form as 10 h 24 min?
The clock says 2 h 06 min
